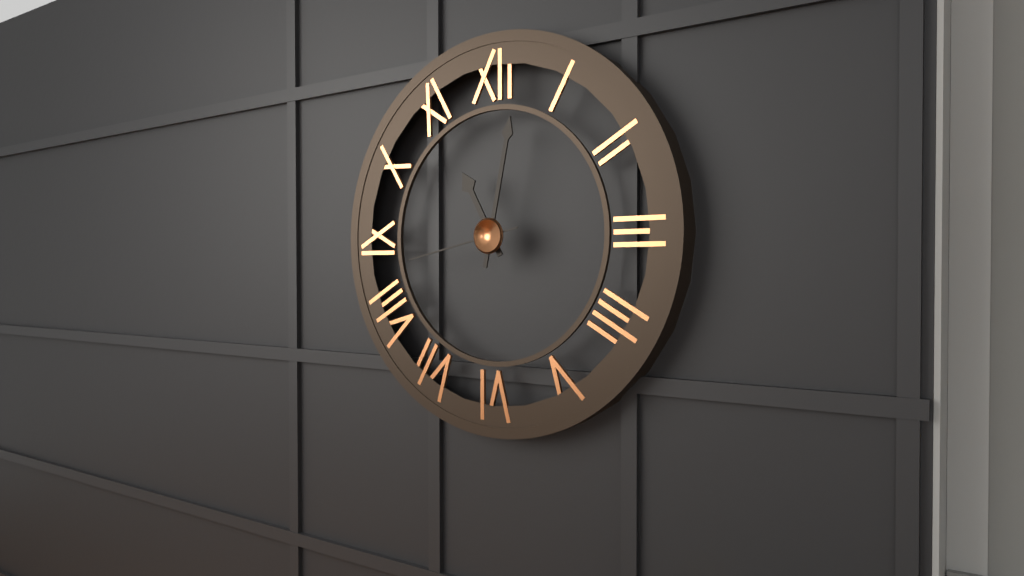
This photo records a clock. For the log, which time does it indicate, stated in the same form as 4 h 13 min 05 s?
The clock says 11 h 02 min 43 s
